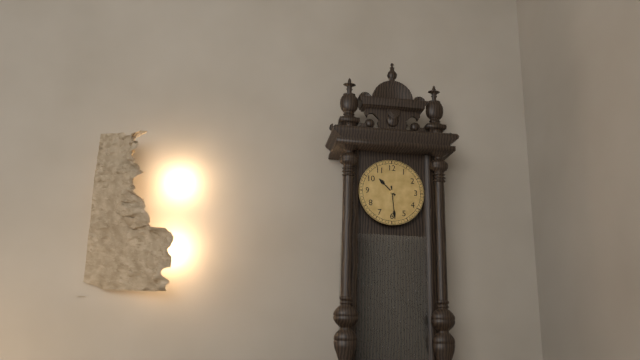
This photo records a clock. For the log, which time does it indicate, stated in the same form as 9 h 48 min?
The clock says 10 h 29 min
